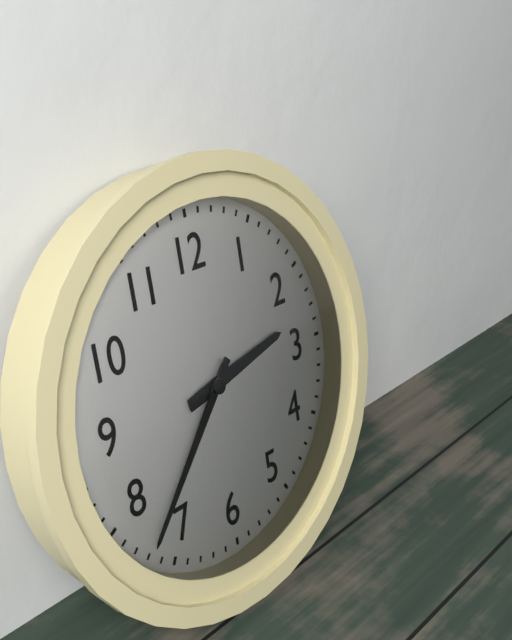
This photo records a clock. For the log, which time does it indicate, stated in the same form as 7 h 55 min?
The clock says 2 h 37 min
